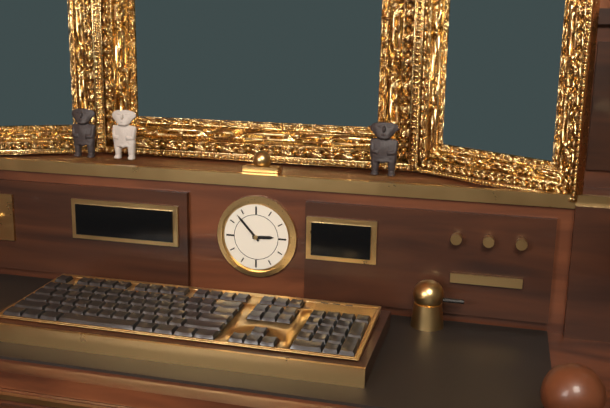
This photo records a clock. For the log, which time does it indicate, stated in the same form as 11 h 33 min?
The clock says 2 h 53 min
